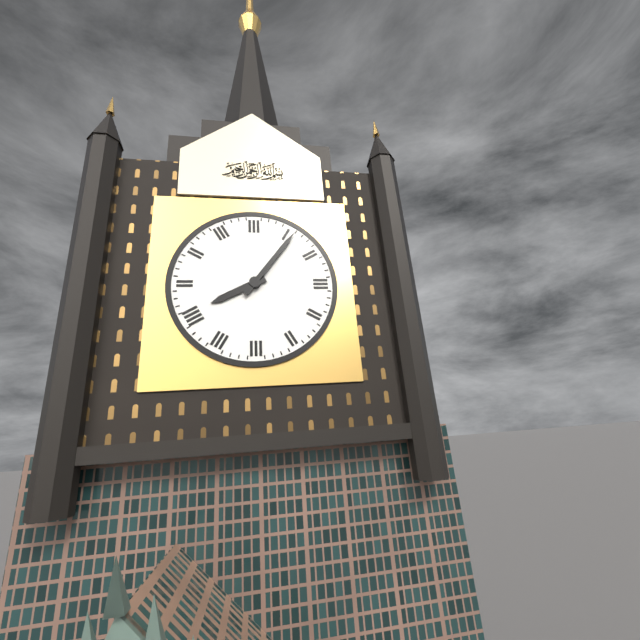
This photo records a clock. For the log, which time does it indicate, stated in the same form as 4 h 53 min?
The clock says 8 h 06 min
